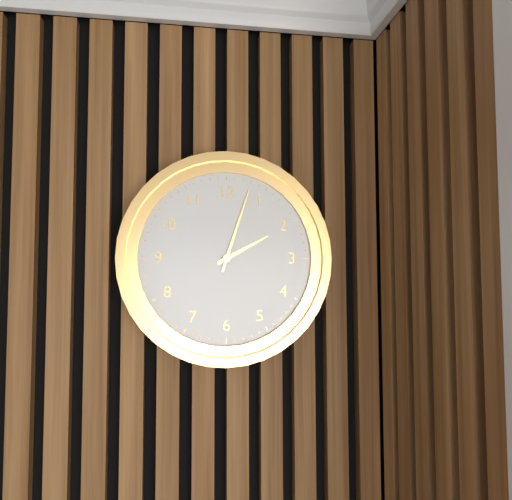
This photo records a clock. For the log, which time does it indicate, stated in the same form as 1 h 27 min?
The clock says 2 h 03 min
